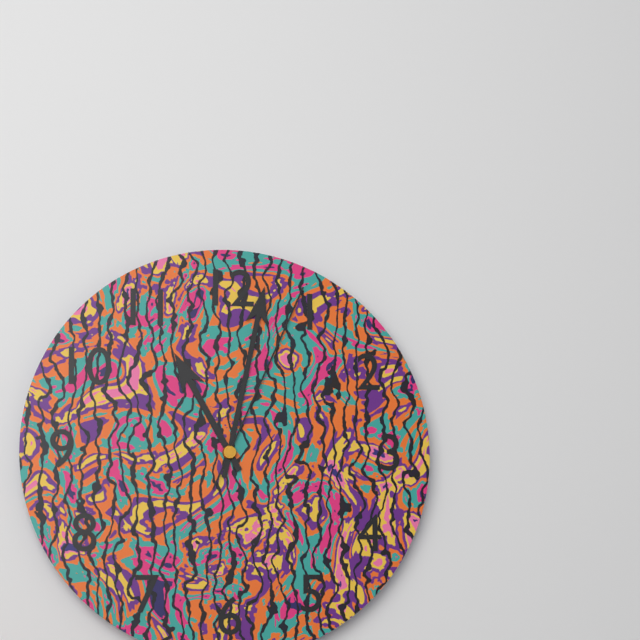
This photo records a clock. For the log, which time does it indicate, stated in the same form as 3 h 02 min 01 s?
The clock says 11 h 02 min 04 s
